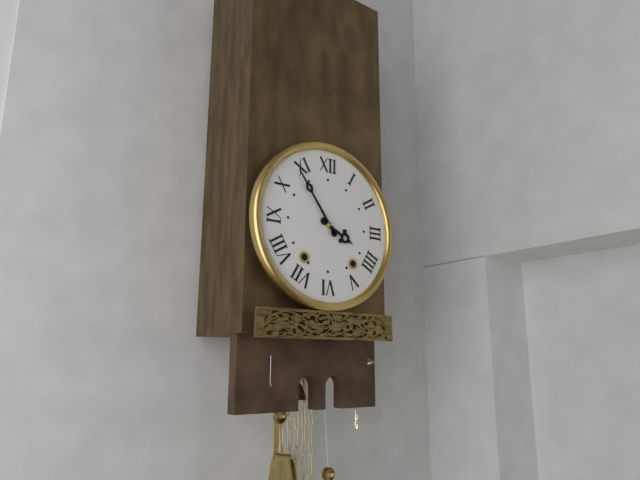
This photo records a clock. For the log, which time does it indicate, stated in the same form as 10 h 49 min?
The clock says 3 h 54 min
